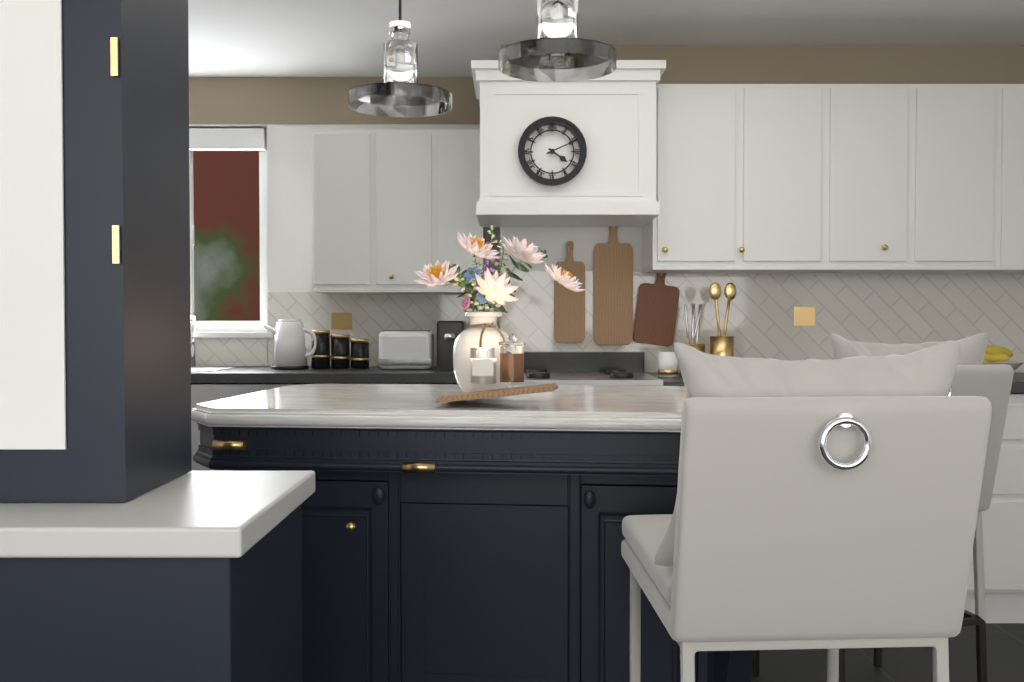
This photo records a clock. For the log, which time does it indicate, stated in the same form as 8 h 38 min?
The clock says 4 h 11 min
